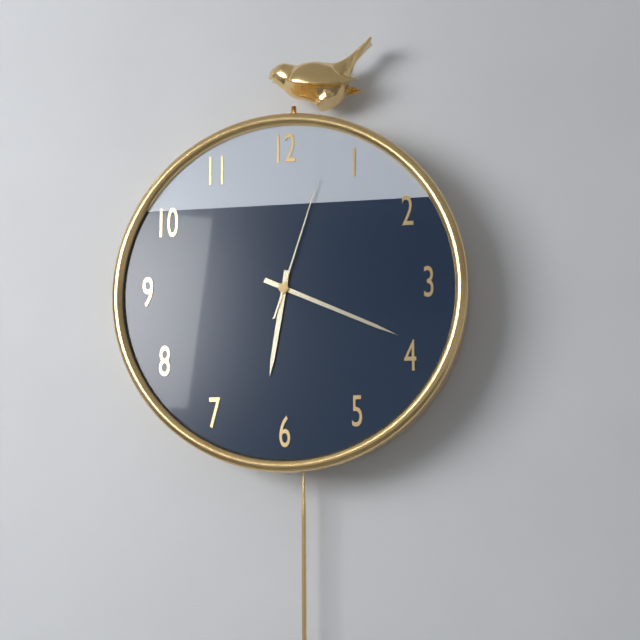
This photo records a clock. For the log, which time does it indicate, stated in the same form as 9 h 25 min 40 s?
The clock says 6 h 19 min 03 s
